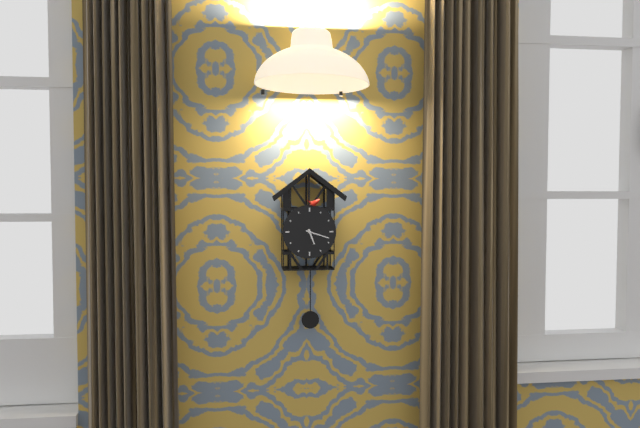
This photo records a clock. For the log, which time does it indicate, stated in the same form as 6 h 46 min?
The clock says 5 h 18 min
